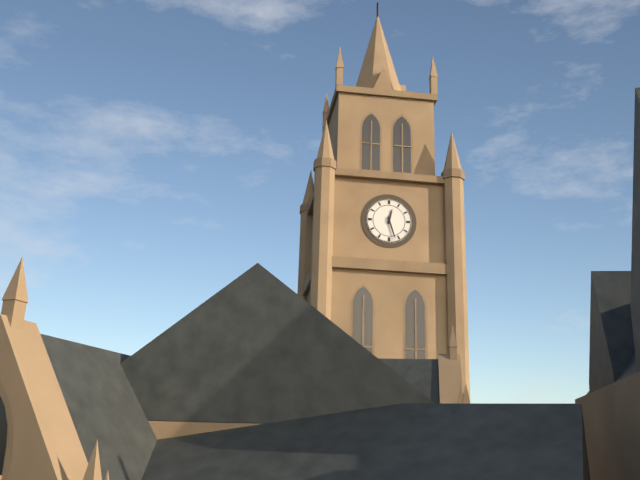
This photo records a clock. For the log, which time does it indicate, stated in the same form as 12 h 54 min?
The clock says 12 h 27 min
